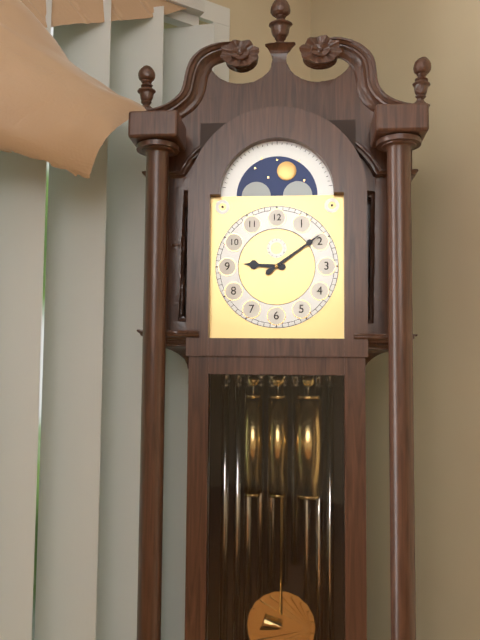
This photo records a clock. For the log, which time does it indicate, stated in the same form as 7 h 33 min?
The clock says 9 h 09 min
